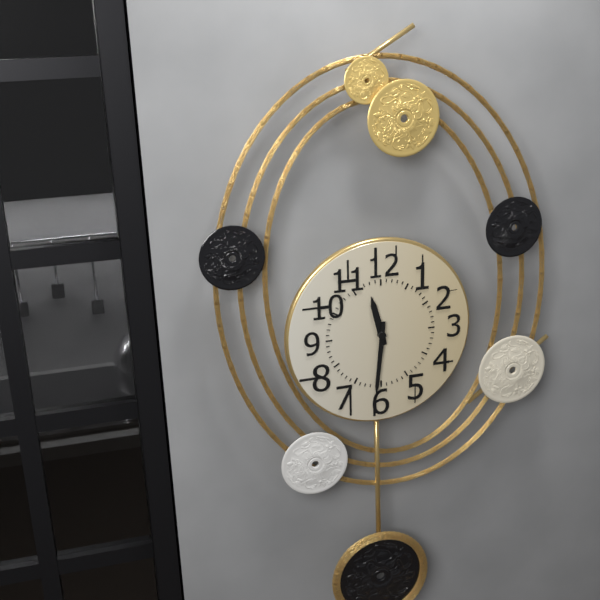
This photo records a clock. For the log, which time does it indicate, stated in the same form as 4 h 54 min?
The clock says 11 h 31 min
